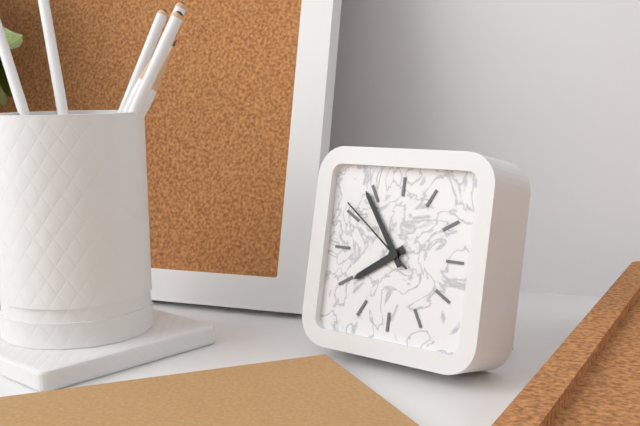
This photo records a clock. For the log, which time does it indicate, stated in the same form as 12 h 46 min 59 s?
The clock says 7 h 54 min 51 s
